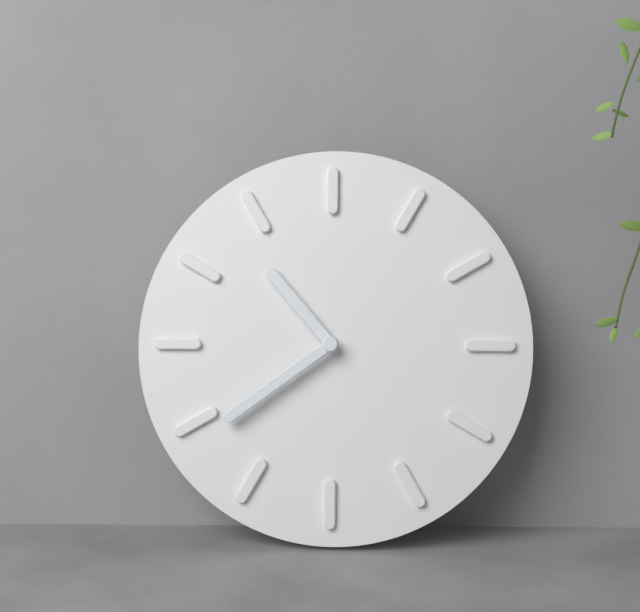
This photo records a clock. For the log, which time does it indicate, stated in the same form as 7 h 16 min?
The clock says 10 h 39 min
